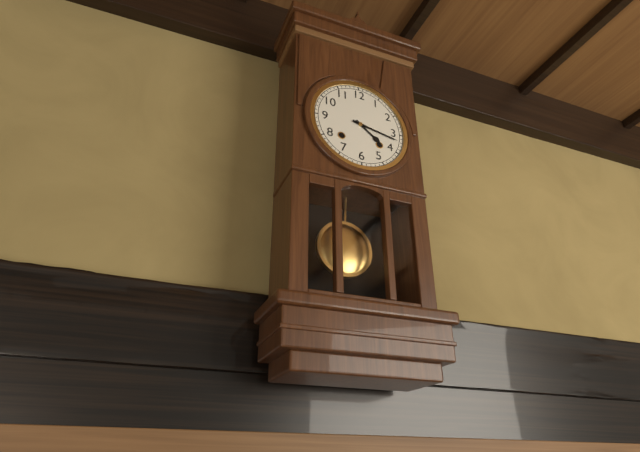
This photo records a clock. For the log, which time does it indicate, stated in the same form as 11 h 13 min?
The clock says 4 h 17 min
